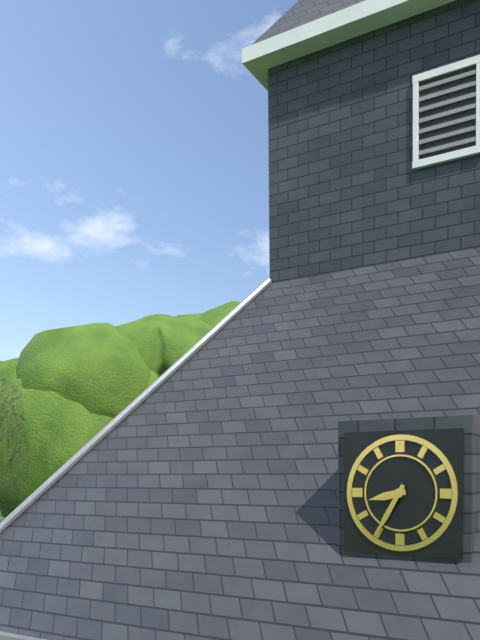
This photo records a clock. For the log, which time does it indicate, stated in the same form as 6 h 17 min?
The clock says 8 h 35 min
